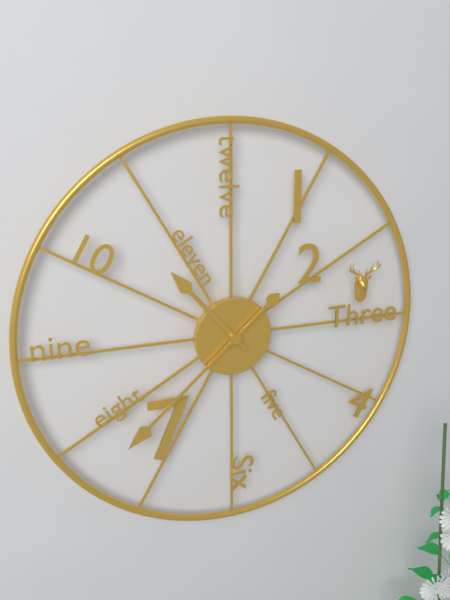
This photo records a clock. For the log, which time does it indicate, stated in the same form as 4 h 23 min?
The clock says 10 h 38 min
